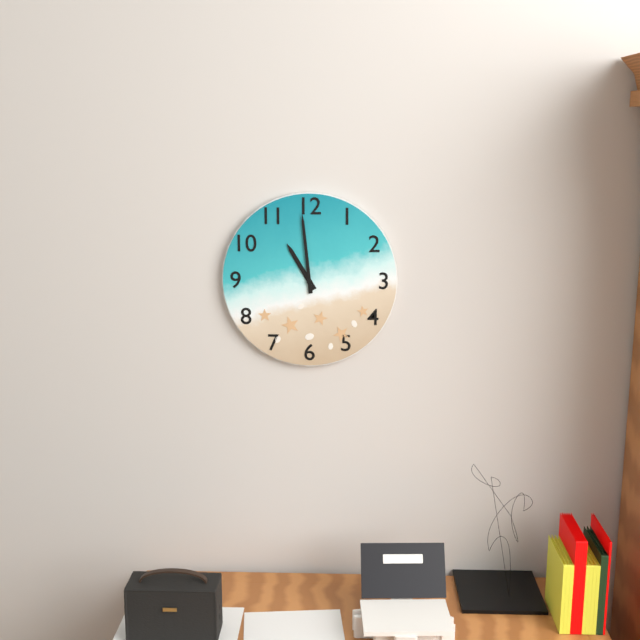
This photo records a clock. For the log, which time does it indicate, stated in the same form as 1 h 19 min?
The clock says 10 h 59 min
